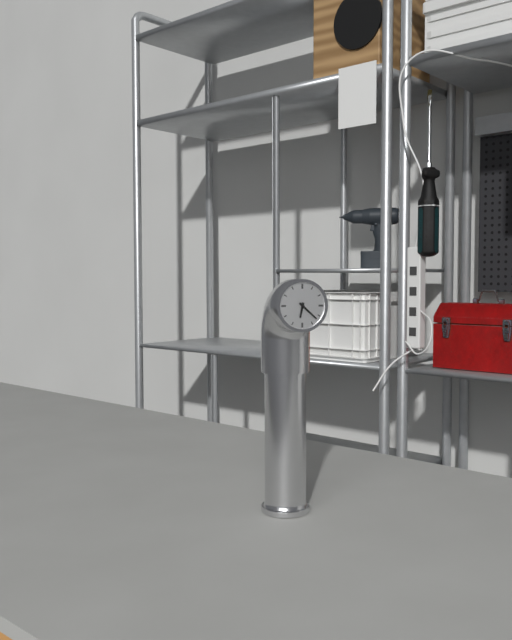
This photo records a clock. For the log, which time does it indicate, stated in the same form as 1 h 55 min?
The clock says 6 h 22 min
